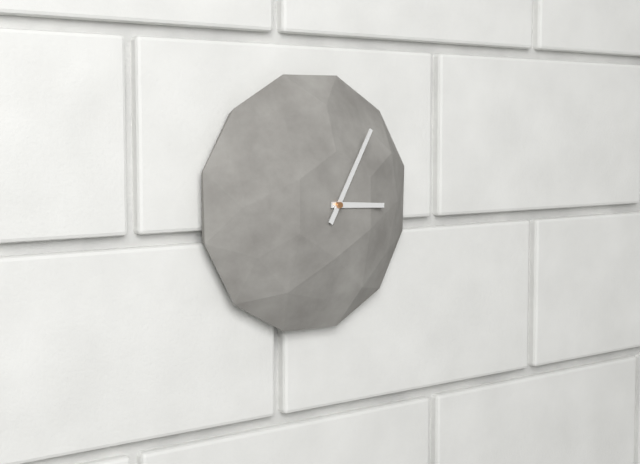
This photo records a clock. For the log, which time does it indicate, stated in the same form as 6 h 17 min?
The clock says 3 h 05 min
